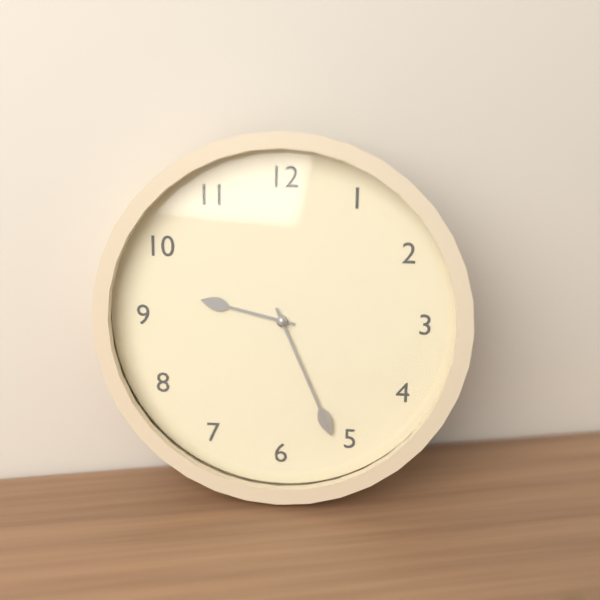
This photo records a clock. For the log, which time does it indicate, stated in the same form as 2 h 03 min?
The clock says 9 h 26 min
